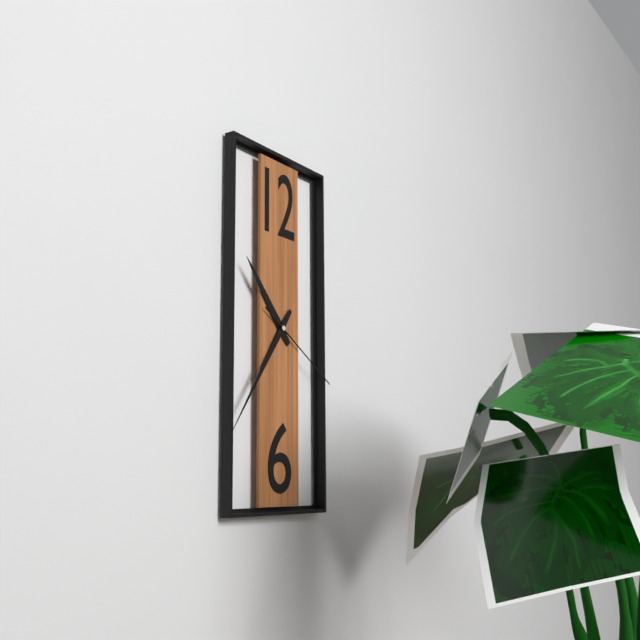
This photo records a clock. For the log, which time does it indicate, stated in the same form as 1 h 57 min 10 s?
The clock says 10 h 36 min 20 s
